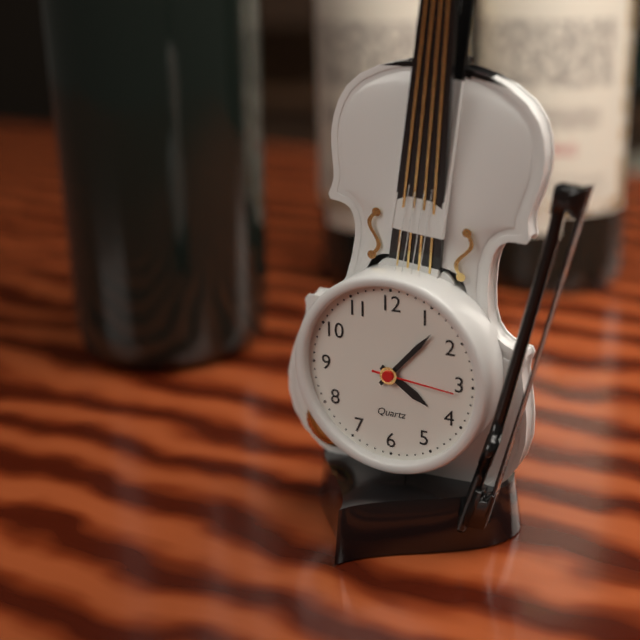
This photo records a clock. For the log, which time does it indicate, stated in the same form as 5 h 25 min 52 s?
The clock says 4 h 07 min 16 s
